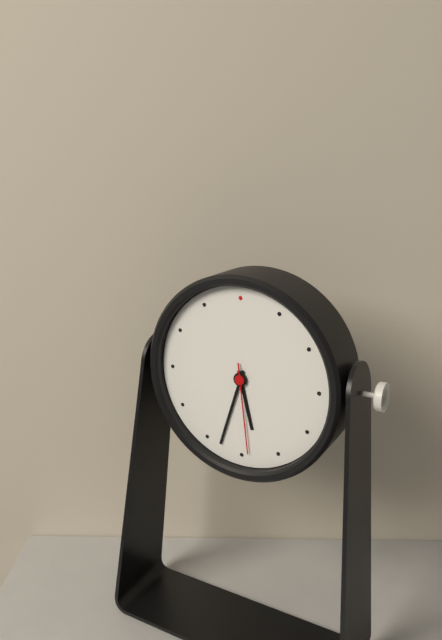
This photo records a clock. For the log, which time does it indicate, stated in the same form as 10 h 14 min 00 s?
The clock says 5 h 33 min 29 s
